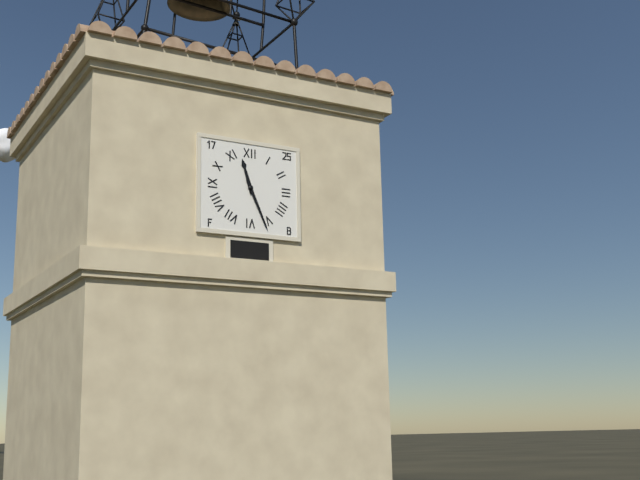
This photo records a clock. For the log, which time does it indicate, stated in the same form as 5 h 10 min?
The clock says 11 h 26 min
